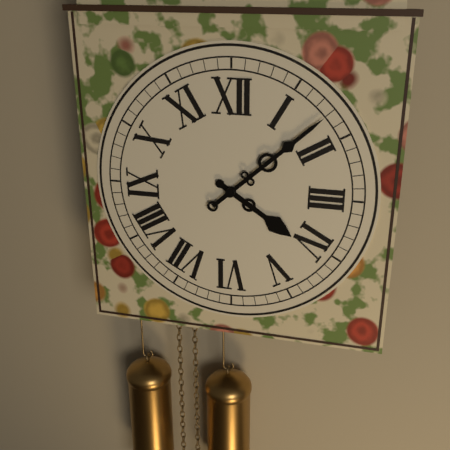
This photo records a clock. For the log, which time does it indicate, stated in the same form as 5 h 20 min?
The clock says 4 h 08 min
